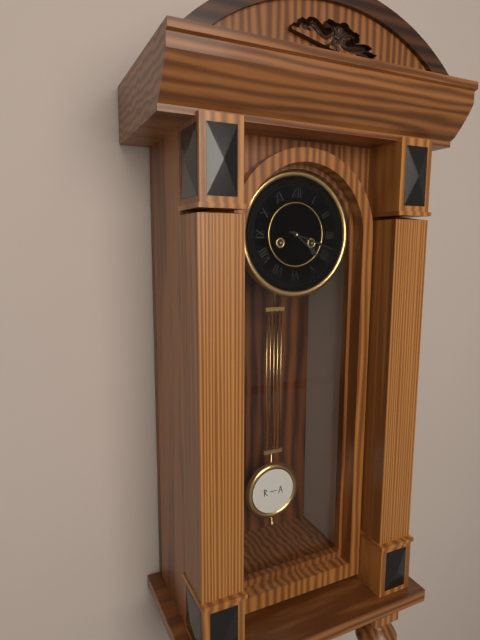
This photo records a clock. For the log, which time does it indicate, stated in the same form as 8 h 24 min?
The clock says 4 h 18 min
